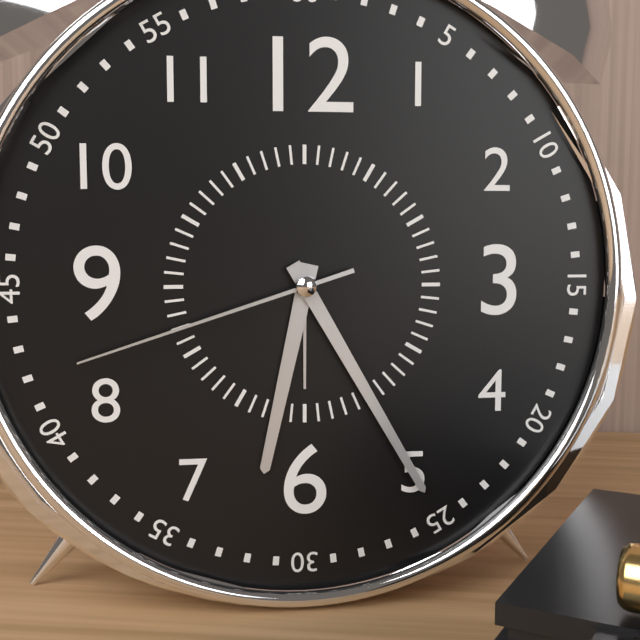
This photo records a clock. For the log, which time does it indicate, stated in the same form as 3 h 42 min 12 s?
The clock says 6 h 25 min 42 s
